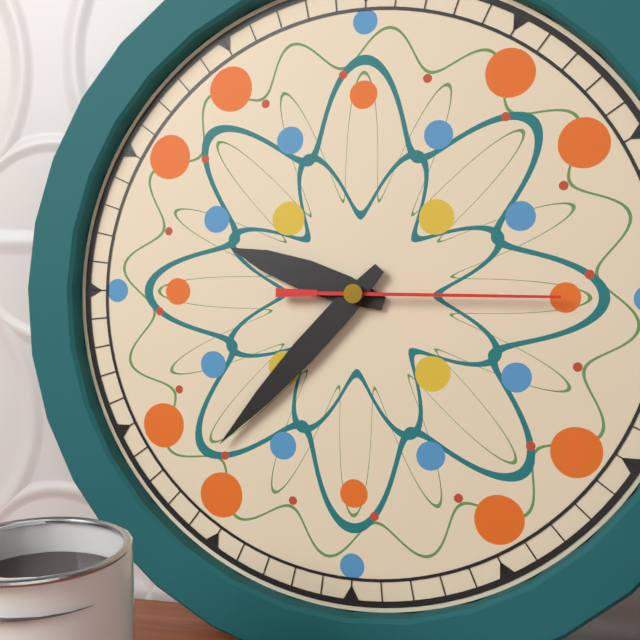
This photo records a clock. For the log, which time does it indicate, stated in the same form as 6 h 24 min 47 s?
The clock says 9 h 37 min 15 s
